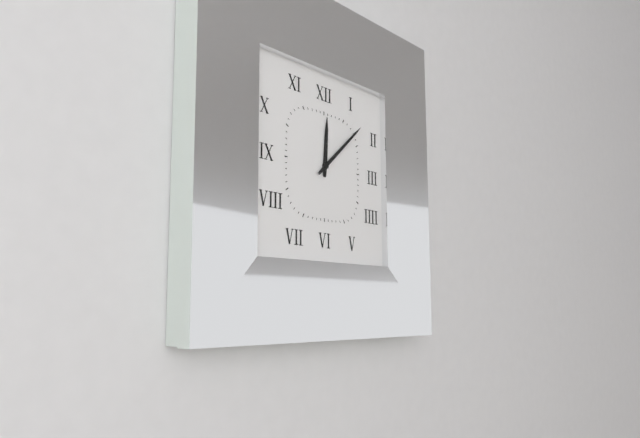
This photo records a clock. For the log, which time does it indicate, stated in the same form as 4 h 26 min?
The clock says 12 h 08 min
